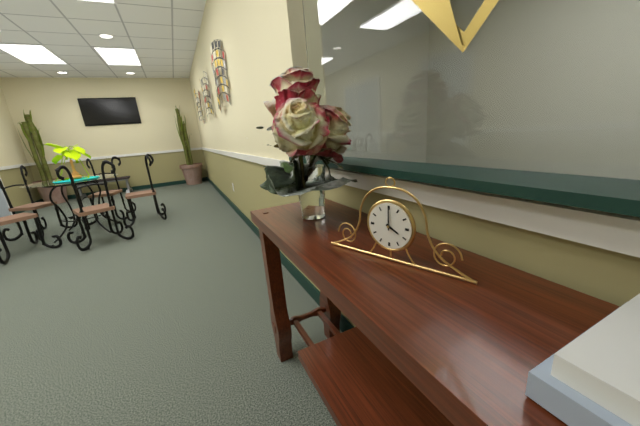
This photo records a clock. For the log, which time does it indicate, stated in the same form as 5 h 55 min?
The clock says 4 h 00 min
